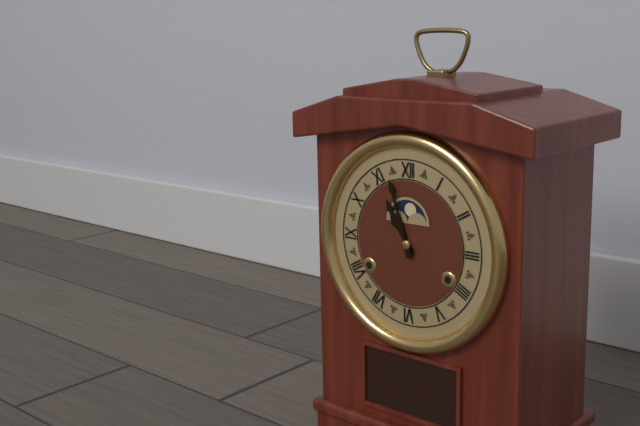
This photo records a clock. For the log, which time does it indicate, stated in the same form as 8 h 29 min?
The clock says 10 h 57 min
